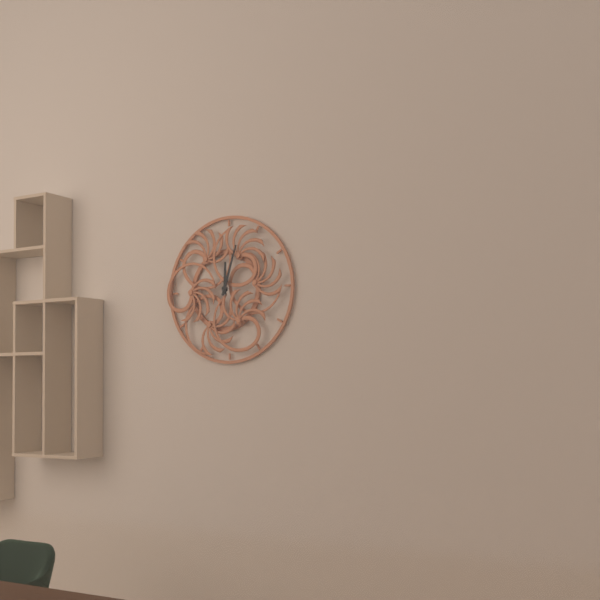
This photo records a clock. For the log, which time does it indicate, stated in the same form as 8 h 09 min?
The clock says 12 h 03 min
